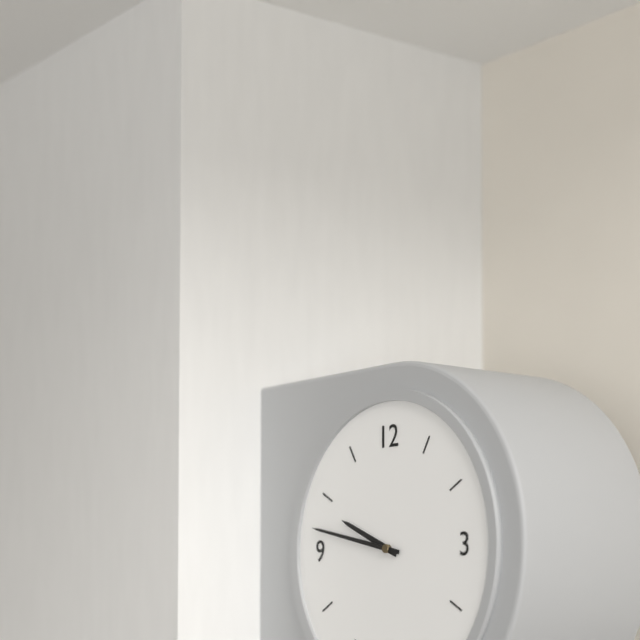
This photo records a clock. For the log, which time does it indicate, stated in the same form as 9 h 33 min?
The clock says 9 h 47 min
